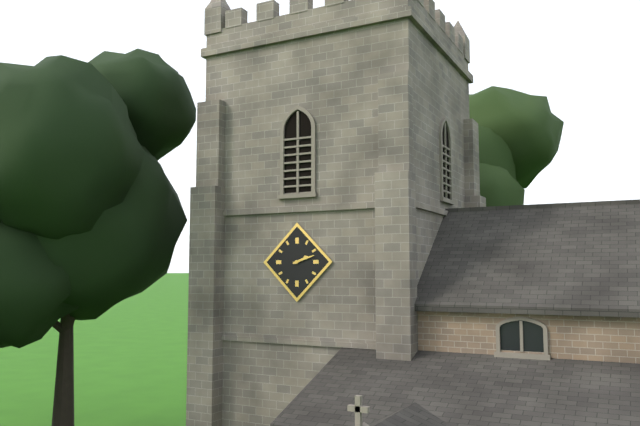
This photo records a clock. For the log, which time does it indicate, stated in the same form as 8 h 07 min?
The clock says 2 h 12 min
